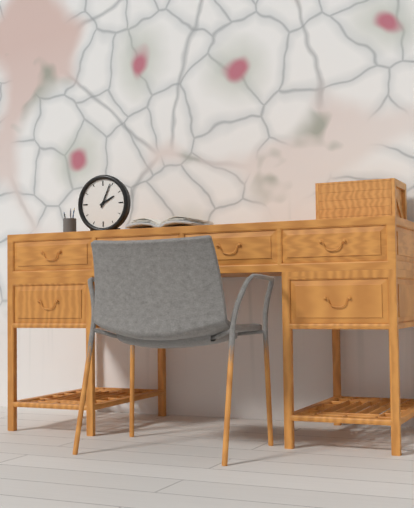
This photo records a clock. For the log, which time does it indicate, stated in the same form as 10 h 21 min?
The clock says 2 h 04 min
